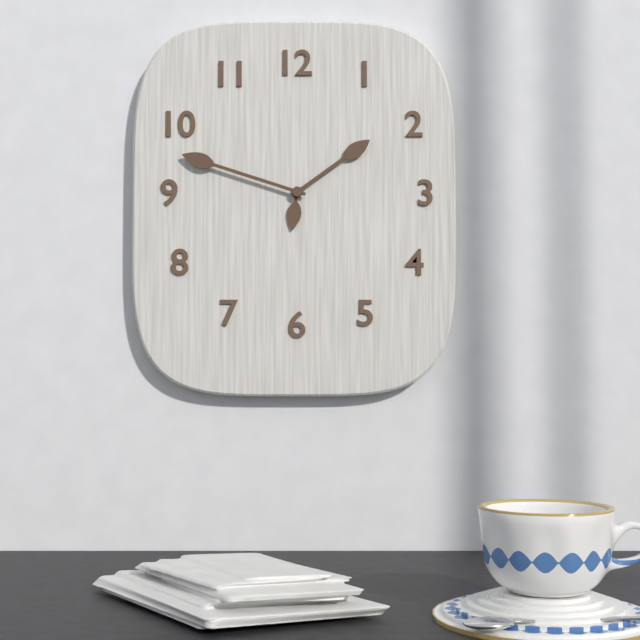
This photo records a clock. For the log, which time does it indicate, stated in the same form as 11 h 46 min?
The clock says 1 h 48 min
